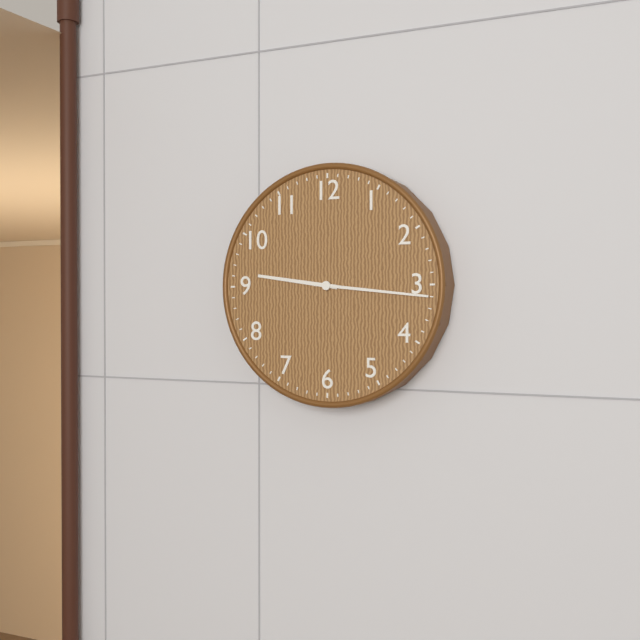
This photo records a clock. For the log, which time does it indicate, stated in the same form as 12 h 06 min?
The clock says 9 h 16 min
